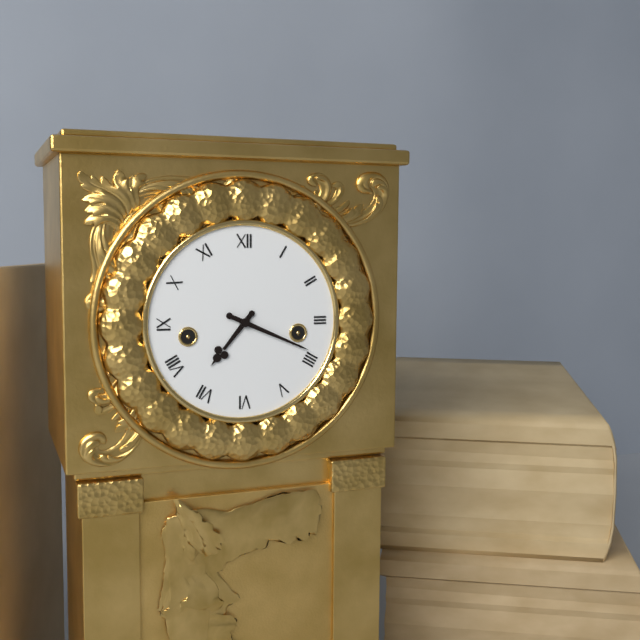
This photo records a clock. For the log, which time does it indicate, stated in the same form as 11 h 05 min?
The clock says 7 h 19 min
